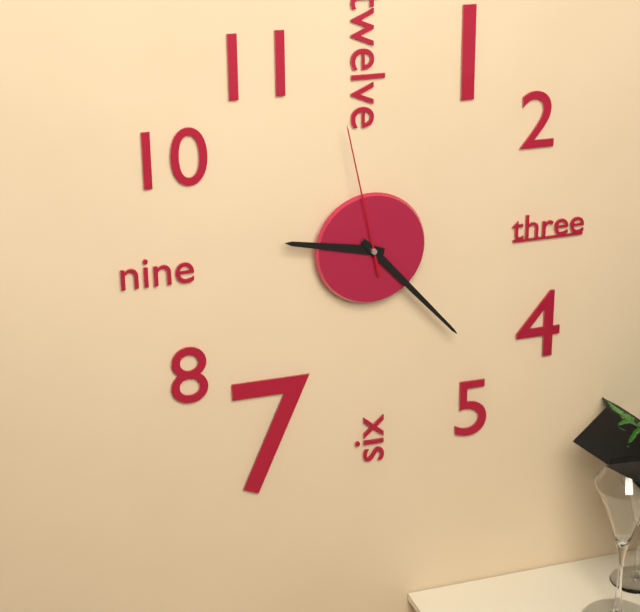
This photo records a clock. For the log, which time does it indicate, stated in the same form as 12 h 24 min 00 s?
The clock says 9 h 23 min 58 s
